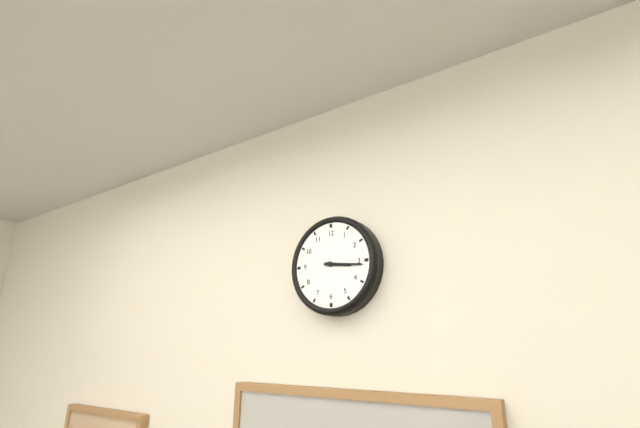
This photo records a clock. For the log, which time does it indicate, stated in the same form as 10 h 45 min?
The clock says 3 h 16 min
